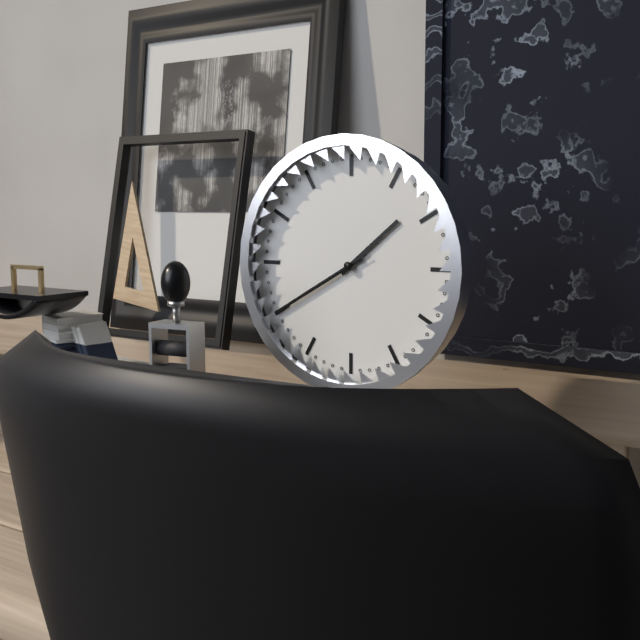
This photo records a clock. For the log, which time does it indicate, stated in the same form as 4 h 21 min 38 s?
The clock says 1 h 40 min 40 s
